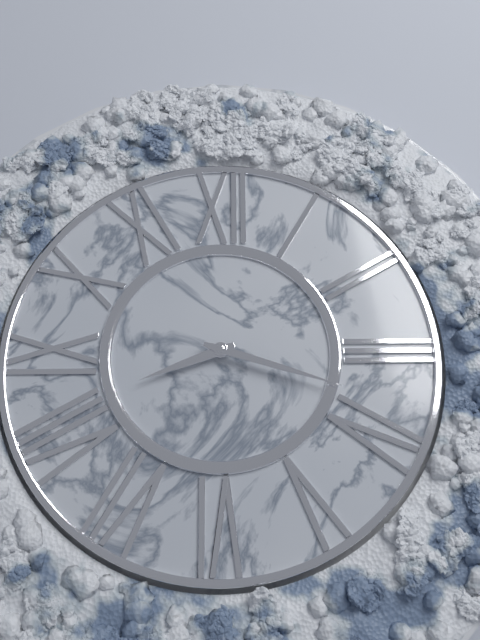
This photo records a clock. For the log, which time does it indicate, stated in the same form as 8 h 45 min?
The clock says 8 h 18 min
